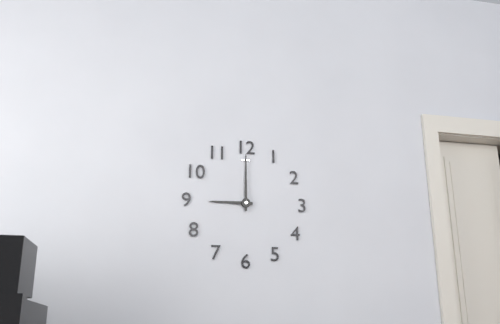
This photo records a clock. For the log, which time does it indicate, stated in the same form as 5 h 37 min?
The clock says 9 h 00 min
